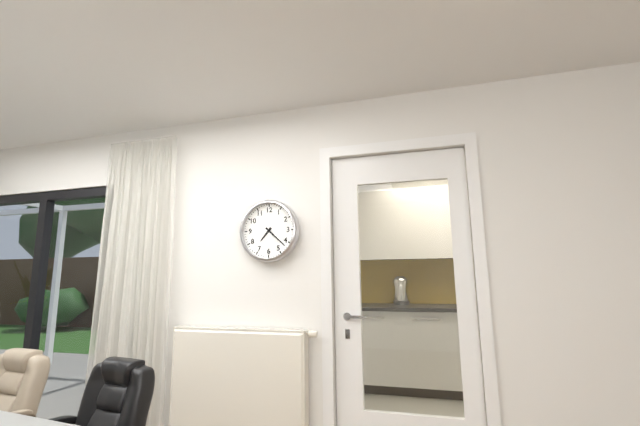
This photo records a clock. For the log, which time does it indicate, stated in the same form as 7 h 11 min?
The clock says 7 h 22 min
